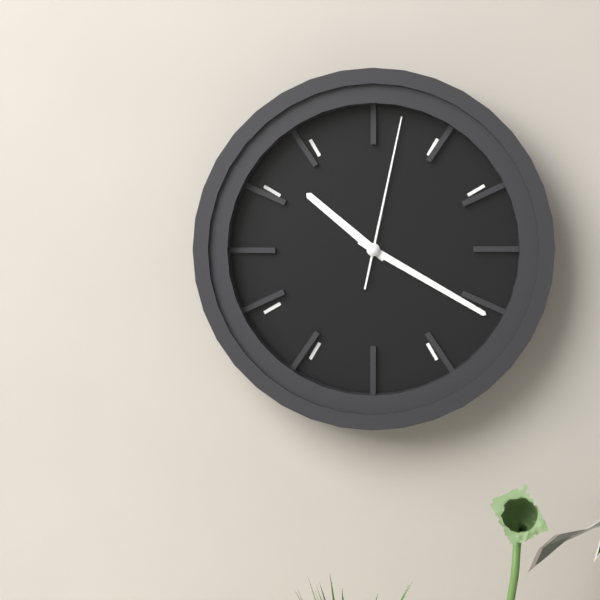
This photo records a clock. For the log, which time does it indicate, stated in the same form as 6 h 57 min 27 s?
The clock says 10 h 20 min 02 s
